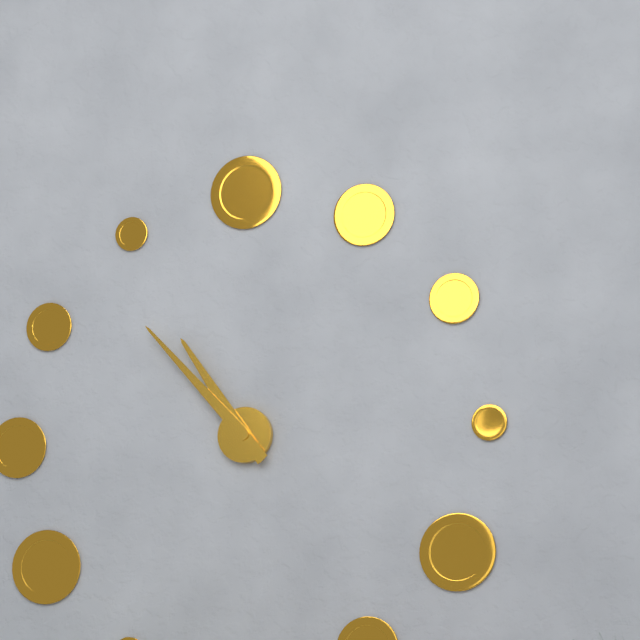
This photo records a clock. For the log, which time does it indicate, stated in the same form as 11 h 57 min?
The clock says 10 h 53 min
